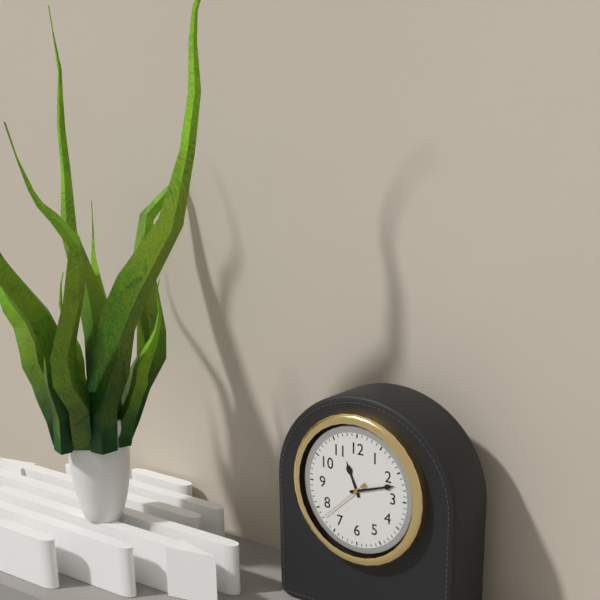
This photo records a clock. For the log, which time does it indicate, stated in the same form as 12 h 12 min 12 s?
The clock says 11 h 12 min 38 s
